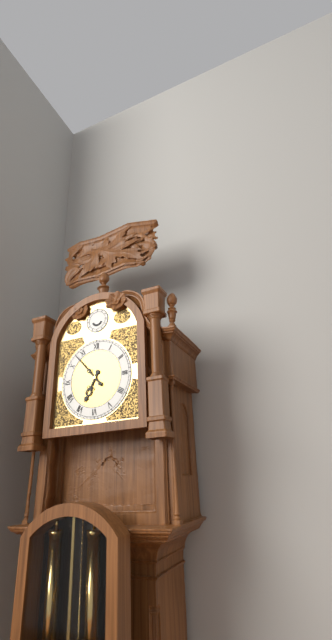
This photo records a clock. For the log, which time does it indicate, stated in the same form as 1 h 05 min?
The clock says 6 h 53 min
